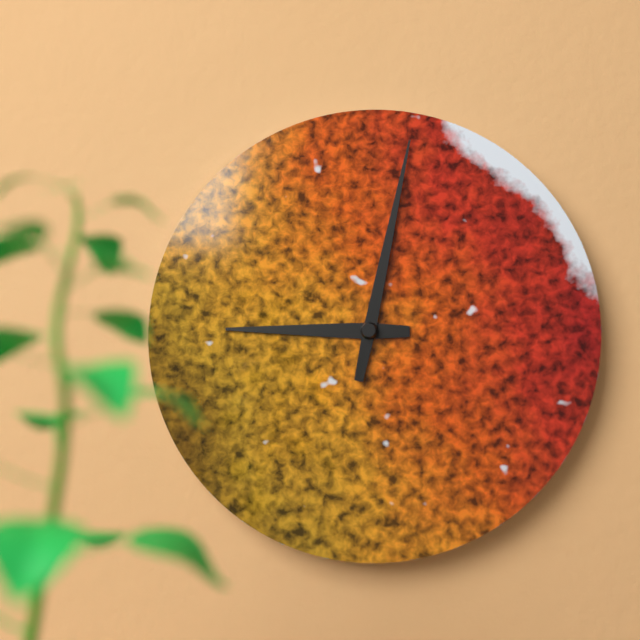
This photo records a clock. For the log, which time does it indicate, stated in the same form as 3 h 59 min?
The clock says 9 h 02 min
